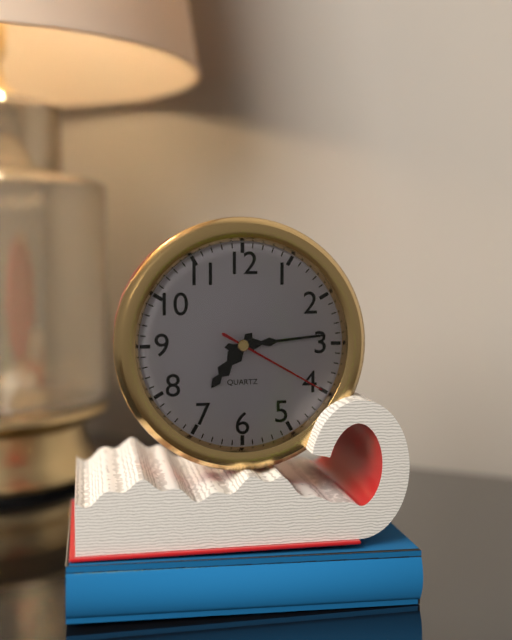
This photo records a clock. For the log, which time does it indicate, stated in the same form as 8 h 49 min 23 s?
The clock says 7 h 14 min 20 s
